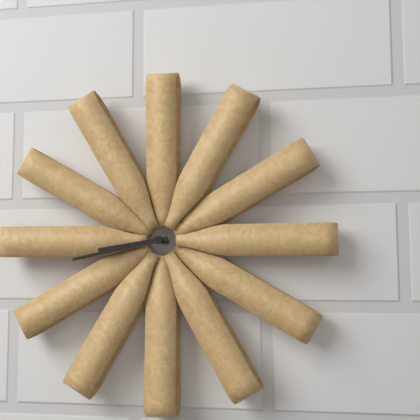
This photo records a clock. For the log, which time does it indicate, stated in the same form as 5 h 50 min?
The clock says 8 h 43 min
